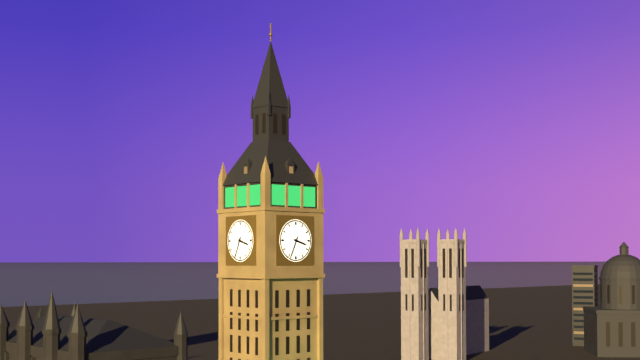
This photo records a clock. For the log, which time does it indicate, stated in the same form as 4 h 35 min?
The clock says 3 h 34 min
